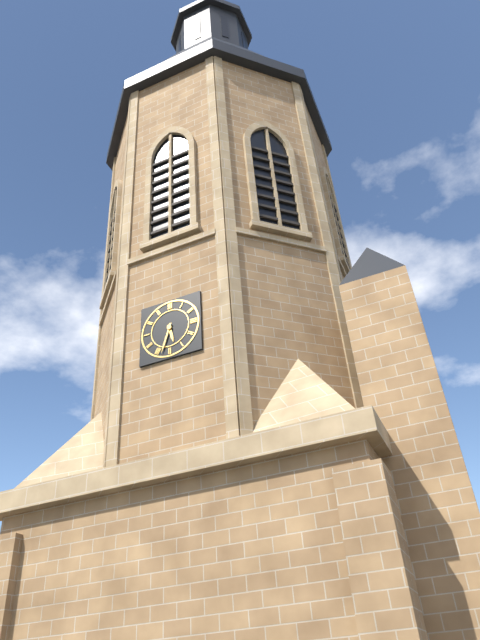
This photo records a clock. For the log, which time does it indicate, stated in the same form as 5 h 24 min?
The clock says 5 h 33 min
